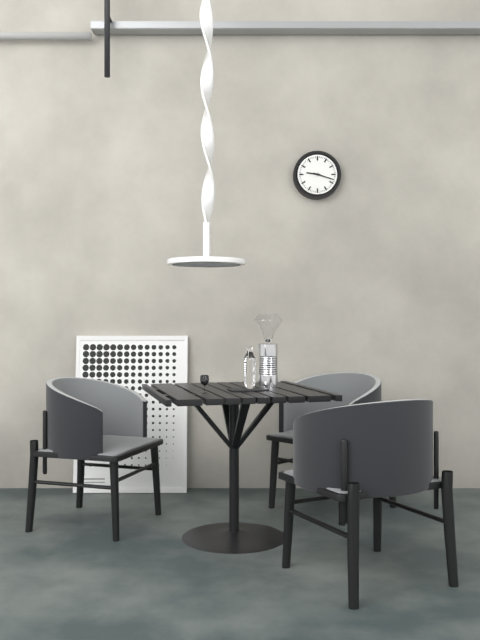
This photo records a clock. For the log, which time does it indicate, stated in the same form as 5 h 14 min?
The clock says 9 h 18 min
